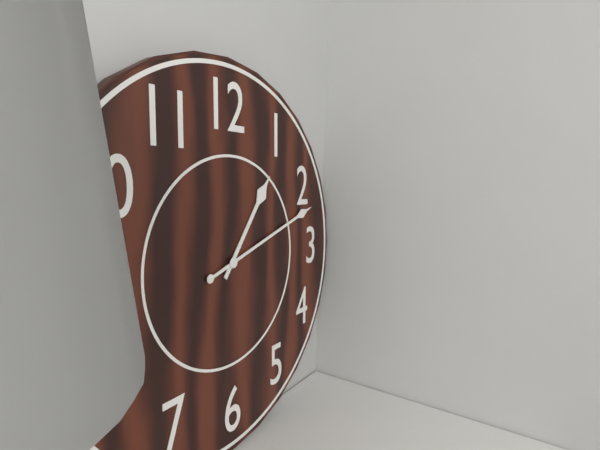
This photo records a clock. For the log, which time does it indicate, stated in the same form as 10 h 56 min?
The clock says 1 h 12 min
